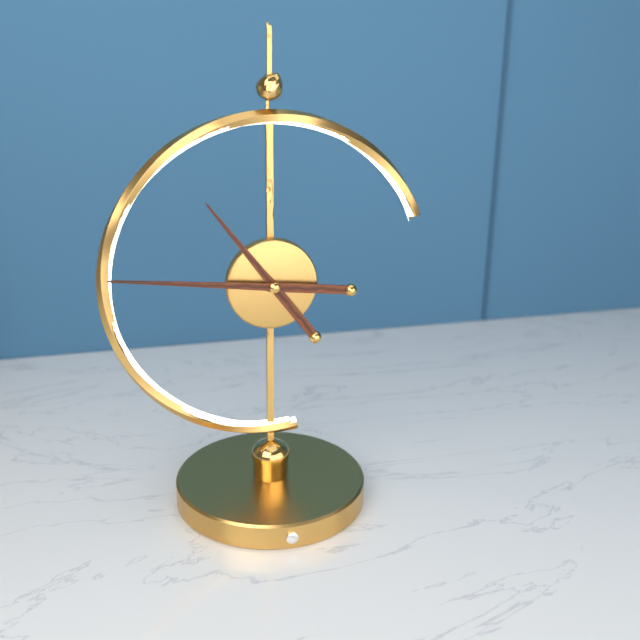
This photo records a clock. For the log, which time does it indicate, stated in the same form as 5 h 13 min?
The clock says 10 h 46 min
